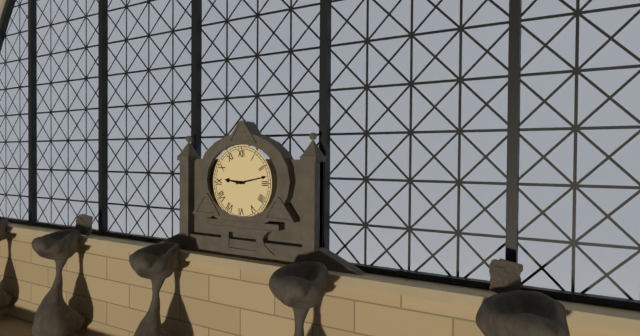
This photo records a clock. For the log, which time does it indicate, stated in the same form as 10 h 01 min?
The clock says 9 h 13 min
